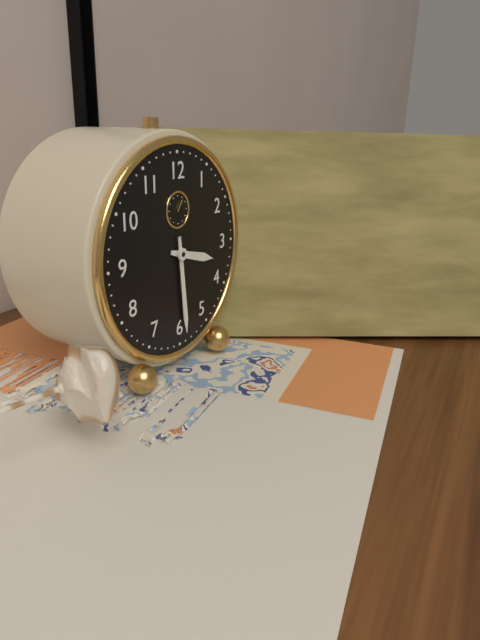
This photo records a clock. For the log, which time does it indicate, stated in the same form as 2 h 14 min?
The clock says 3 h 29 min
